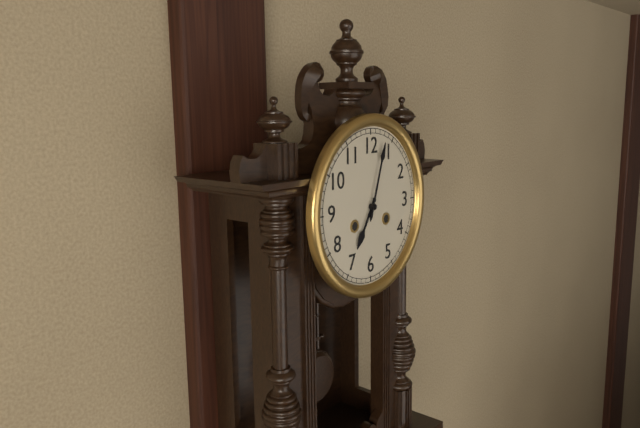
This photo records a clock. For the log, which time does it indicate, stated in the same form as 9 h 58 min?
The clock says 7 h 03 min
